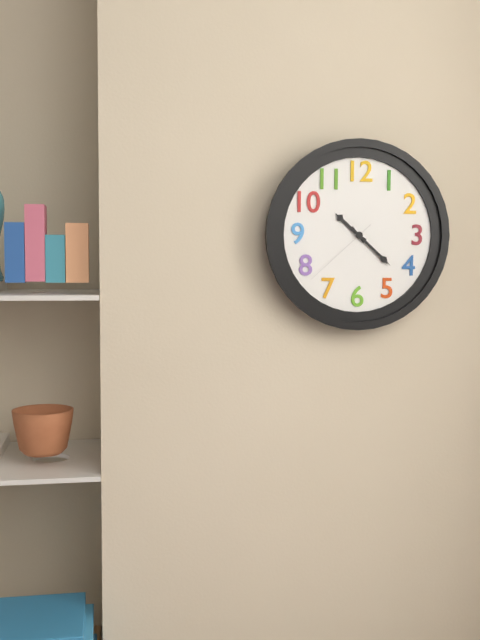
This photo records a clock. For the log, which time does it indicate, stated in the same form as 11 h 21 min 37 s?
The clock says 10 h 22 min 38 s
